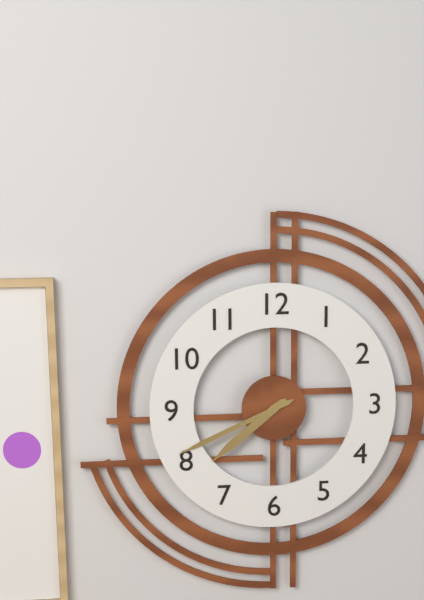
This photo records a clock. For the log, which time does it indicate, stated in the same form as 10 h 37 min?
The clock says 7 h 41 min
